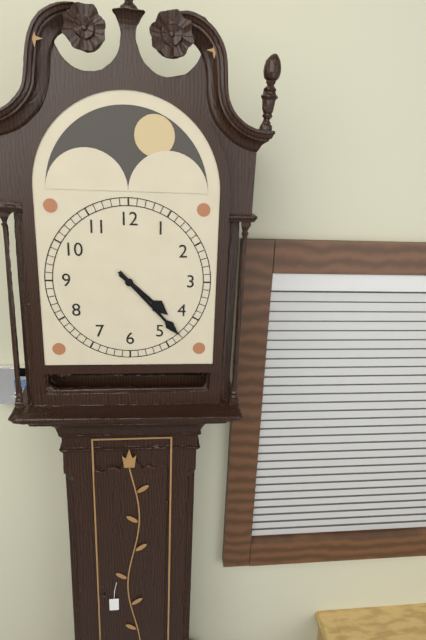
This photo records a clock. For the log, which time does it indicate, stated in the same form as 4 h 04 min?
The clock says 4 h 23 min
